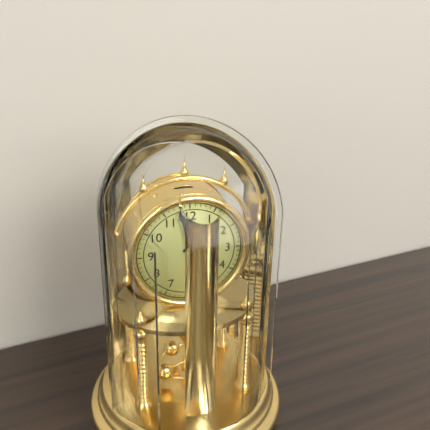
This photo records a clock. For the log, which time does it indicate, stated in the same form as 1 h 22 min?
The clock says 3 h 58 min
